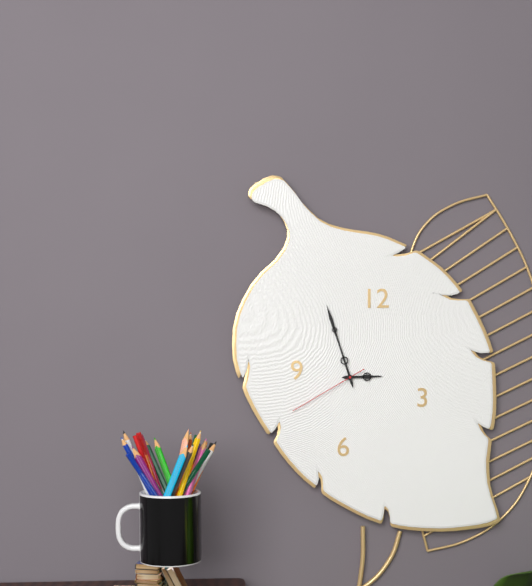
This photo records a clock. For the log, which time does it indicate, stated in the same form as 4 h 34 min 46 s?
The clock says 2 h 57 min 40 s
